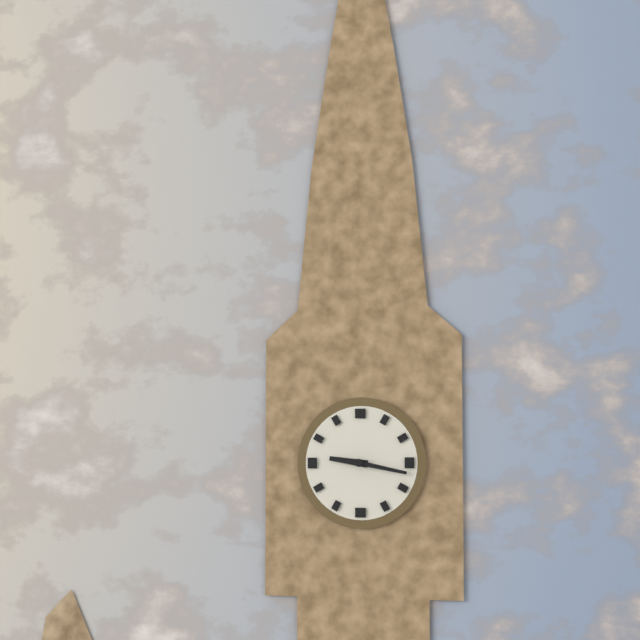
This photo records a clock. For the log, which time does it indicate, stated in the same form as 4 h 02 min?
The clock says 9 h 17 min
